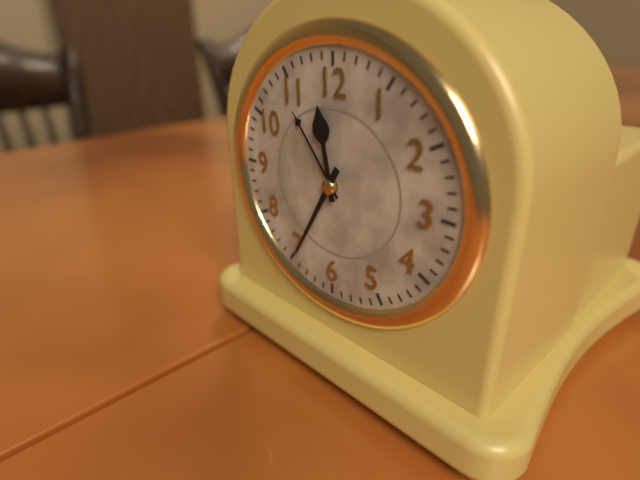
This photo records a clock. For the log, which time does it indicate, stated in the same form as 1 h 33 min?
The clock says 11 h 35 min
